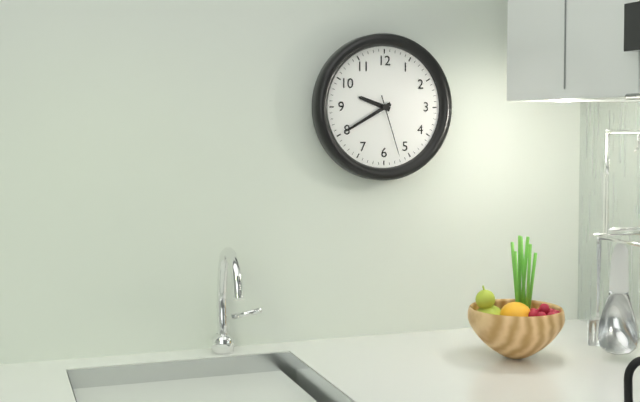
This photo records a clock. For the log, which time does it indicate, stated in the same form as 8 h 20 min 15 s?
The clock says 9 h 40 min 27 s
